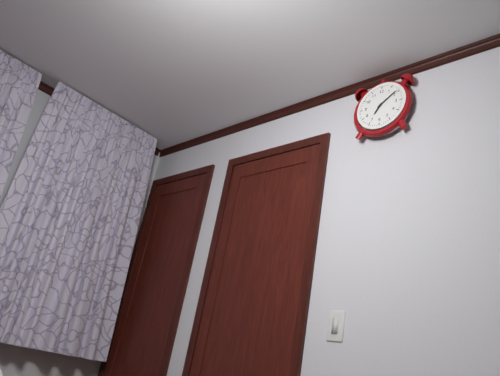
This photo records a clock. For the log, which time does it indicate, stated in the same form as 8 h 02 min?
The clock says 7 h 09 min
